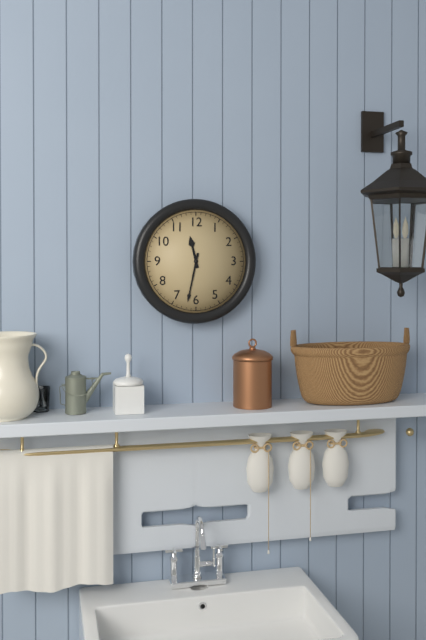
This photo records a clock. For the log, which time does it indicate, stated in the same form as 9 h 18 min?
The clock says 11 h 32 min
